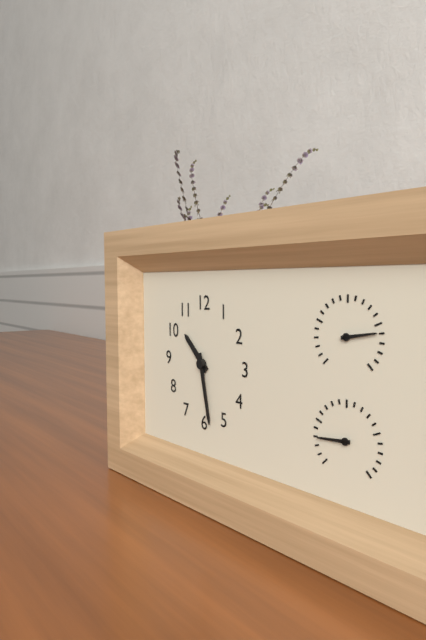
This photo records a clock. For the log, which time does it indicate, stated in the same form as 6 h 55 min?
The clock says 10 h 28 min
